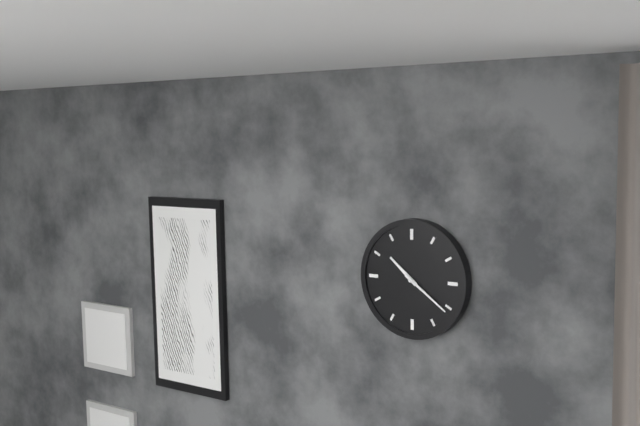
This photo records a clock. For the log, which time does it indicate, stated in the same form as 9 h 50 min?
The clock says 10 h 21 min
